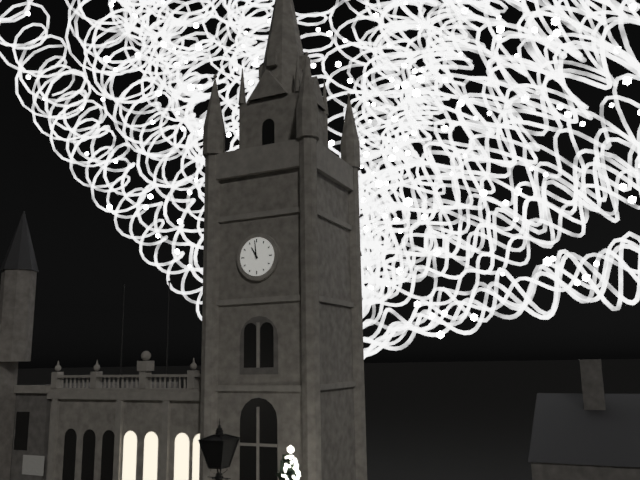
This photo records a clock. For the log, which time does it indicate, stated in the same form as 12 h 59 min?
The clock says 10 h 59 min
